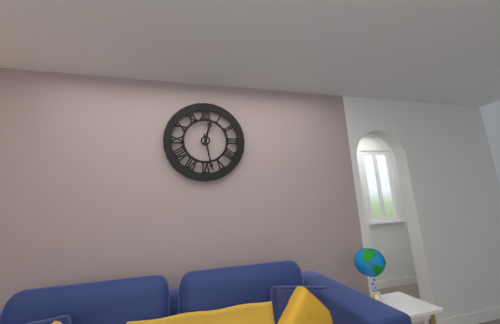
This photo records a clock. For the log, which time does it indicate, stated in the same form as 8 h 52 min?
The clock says 12 h 28 min
